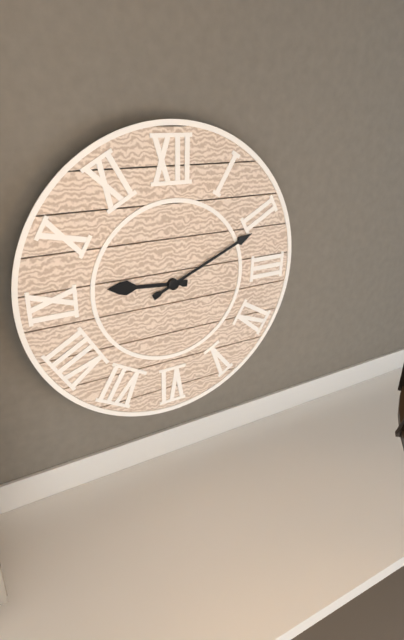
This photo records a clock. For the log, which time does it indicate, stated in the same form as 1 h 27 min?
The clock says 9 h 11 min
